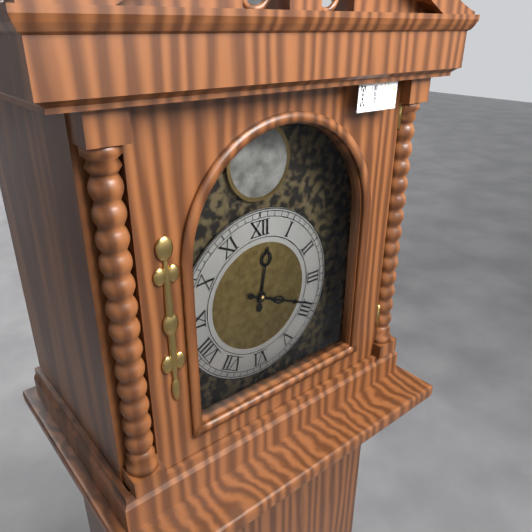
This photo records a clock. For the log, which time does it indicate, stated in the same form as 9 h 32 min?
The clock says 12 h 19 min
